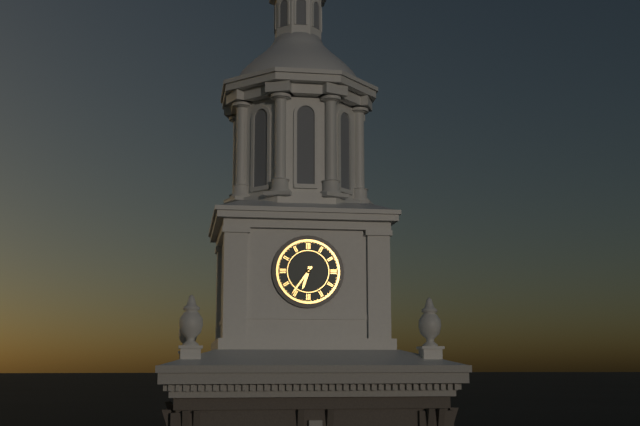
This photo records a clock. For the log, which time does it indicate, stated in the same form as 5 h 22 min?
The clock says 6 h 36 min
